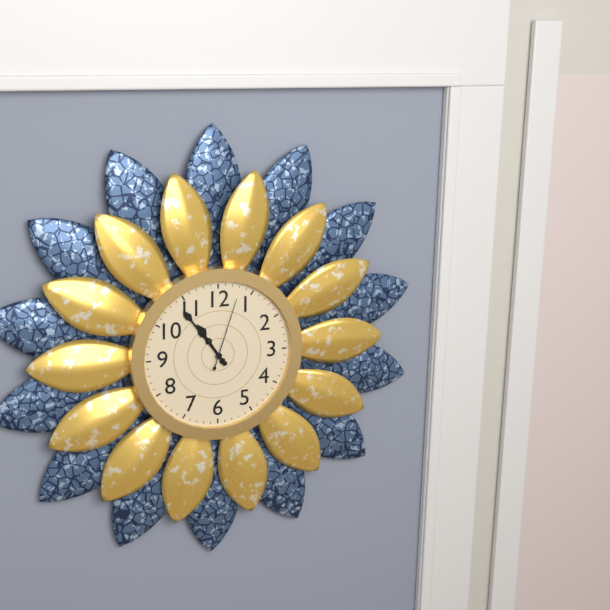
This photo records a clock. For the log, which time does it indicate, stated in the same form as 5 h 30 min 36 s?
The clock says 10 h 54 min 03 s
